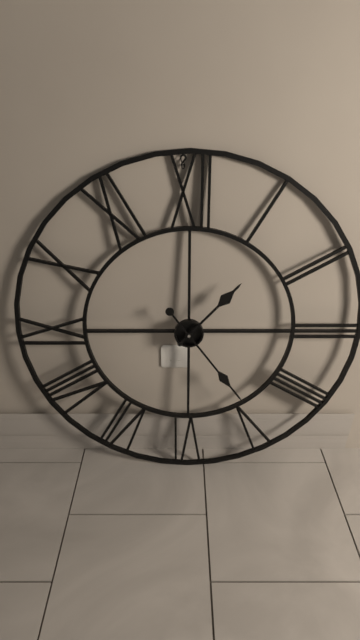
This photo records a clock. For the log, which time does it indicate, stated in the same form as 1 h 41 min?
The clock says 1 h 24 min
